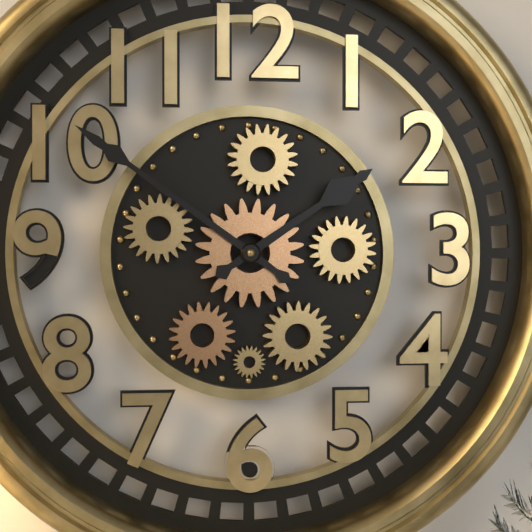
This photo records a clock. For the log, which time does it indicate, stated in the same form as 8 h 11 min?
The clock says 1 h 51 min
